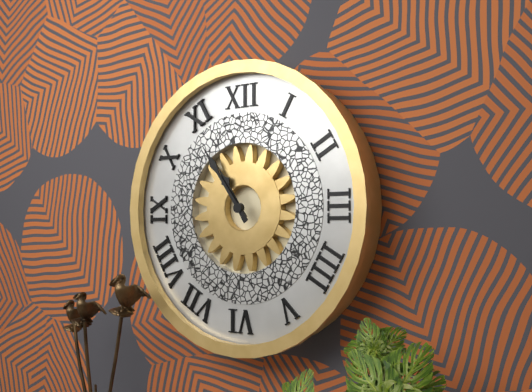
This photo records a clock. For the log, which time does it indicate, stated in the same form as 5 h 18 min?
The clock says 10 h 54 min
